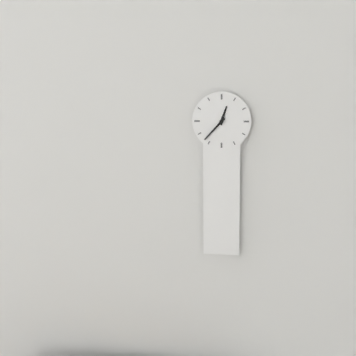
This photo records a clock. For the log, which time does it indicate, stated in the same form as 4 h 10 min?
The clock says 12 h 37 min
